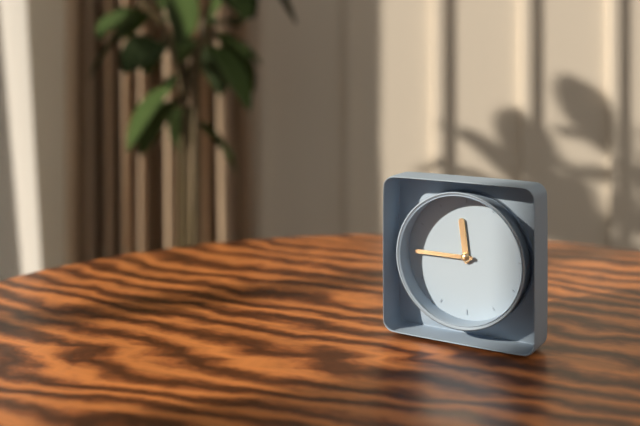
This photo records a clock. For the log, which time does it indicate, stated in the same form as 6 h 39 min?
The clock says 11 h 45 min
